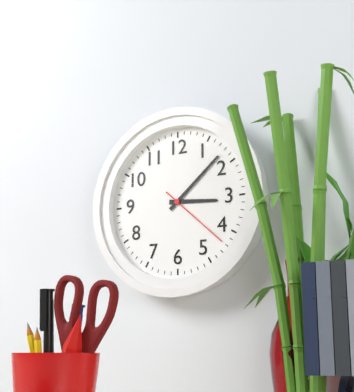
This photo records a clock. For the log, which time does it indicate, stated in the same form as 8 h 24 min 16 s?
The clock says 3 h 08 min 22 s
